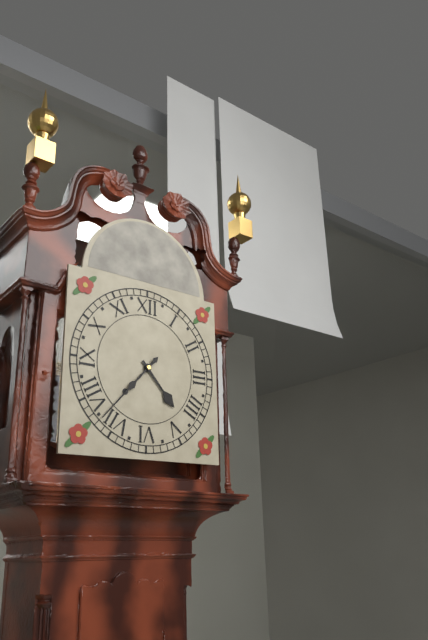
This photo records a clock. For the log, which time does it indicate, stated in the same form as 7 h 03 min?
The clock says 4 h 37 min
